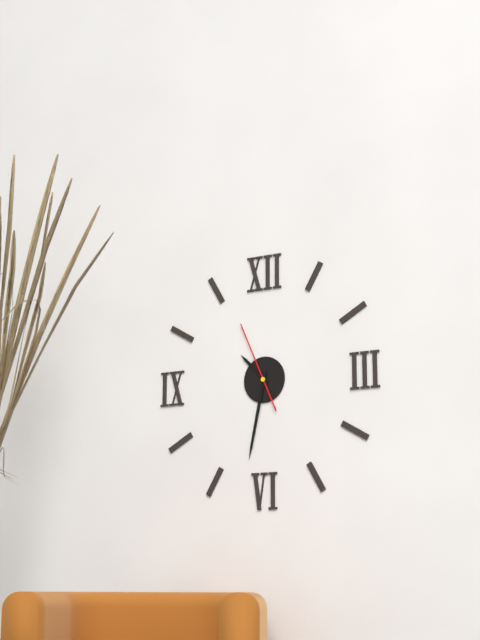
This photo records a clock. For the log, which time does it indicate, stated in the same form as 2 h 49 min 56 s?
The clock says 10 h 32 min 56 s
